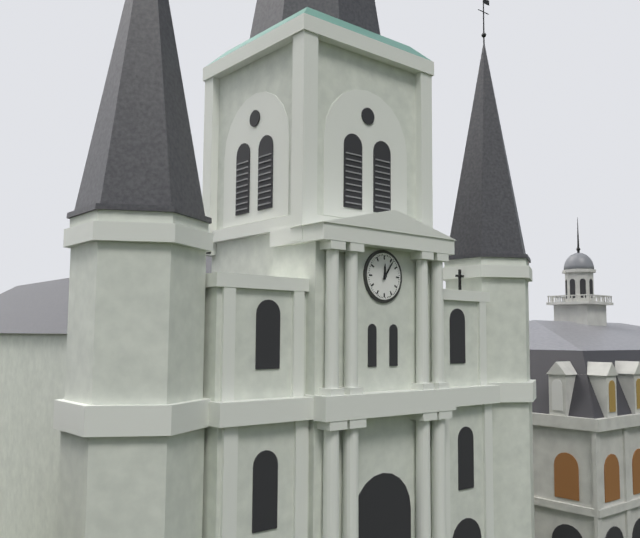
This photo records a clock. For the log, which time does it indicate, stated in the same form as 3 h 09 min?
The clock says 12 h 06 min
